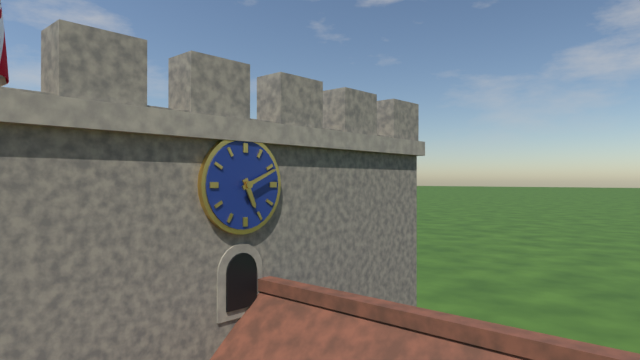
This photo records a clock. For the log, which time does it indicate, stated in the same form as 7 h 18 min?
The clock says 5 h 11 min
